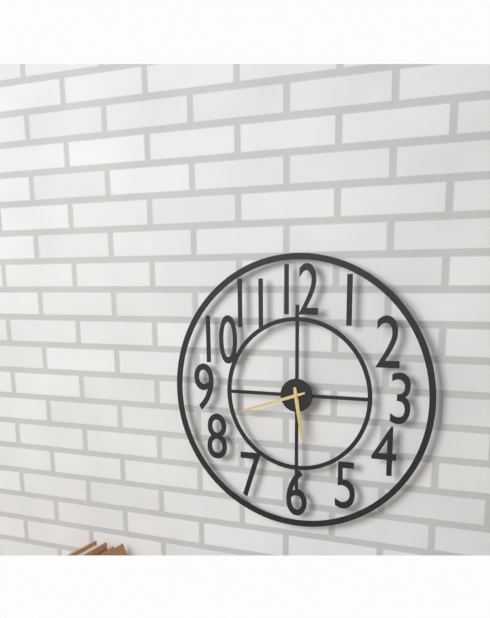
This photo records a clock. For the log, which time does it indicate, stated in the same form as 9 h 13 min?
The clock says 5 h 42 min
